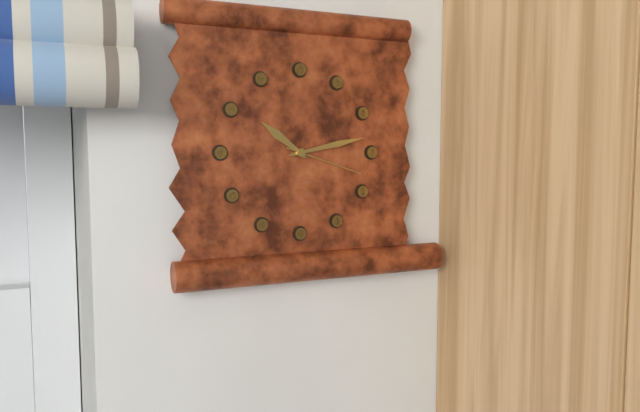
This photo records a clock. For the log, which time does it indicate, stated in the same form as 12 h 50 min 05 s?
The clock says 10 h 13 min 18 s
